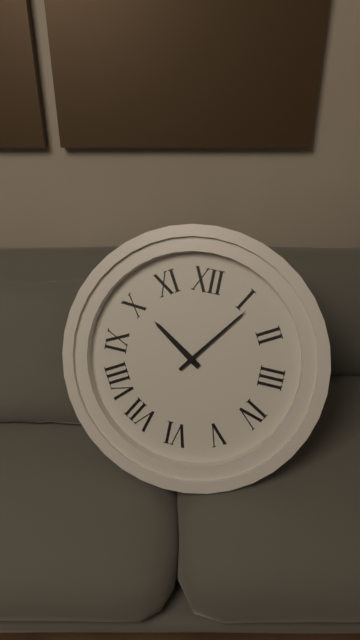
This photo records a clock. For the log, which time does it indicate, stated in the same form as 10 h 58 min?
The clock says 10 h 06 min
